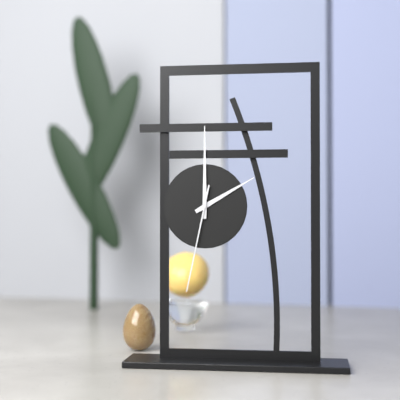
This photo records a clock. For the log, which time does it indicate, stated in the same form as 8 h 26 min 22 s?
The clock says 2 h 00 min 32 s
